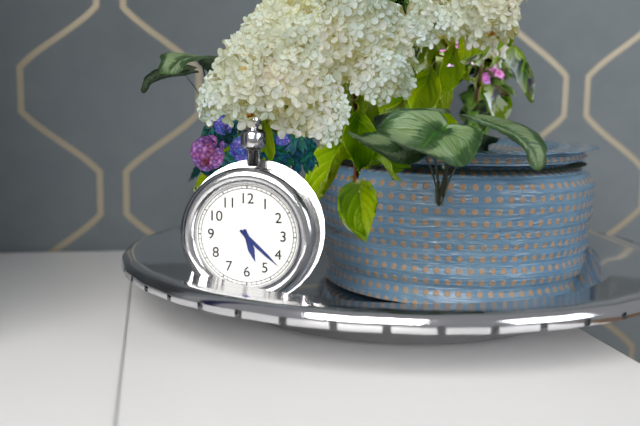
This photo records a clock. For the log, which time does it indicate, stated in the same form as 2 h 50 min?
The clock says 5 h 22 min
